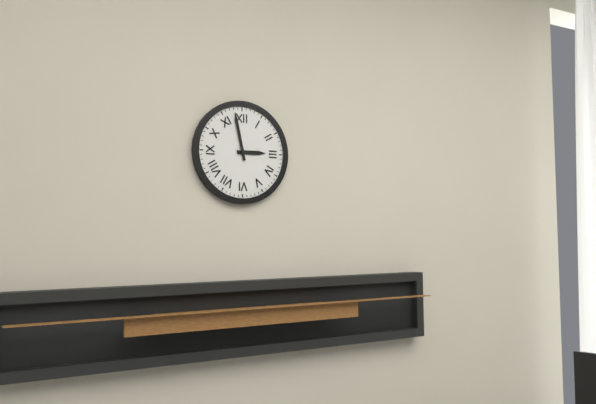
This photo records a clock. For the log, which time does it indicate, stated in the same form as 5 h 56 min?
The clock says 2 h 58 min
